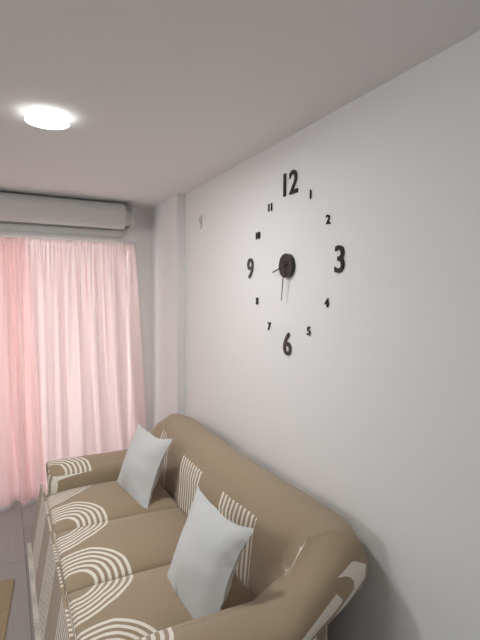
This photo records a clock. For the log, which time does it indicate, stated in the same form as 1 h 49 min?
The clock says 8 h 31 min
